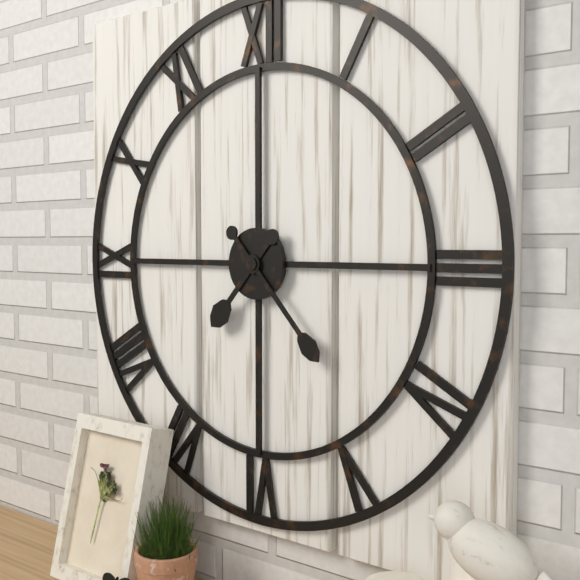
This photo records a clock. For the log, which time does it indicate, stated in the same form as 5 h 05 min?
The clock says 7 h 23 min
